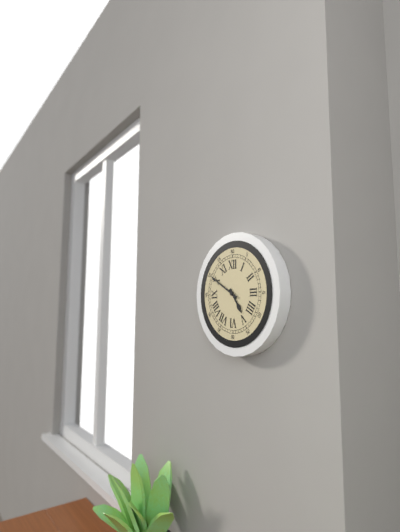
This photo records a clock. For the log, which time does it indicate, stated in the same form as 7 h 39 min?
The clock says 4 h 50 min
